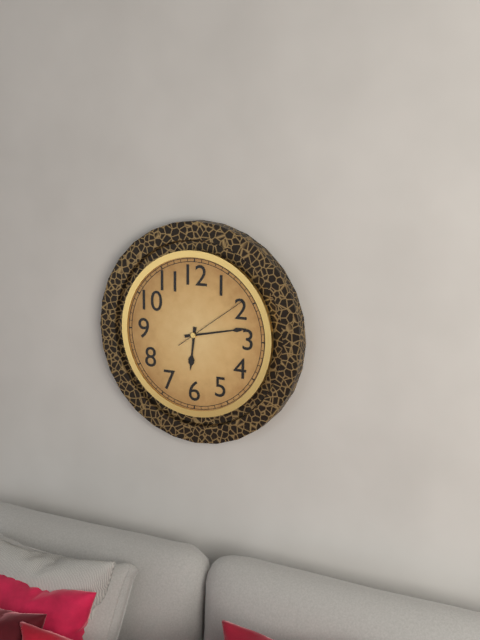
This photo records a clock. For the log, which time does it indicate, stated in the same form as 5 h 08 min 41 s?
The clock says 6 h 13 min 09 s
